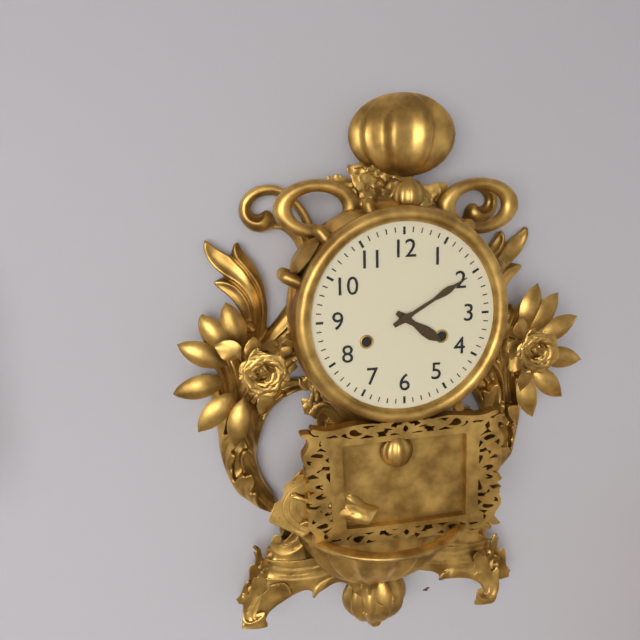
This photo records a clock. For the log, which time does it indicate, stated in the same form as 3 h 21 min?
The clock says 4 h 10 min
